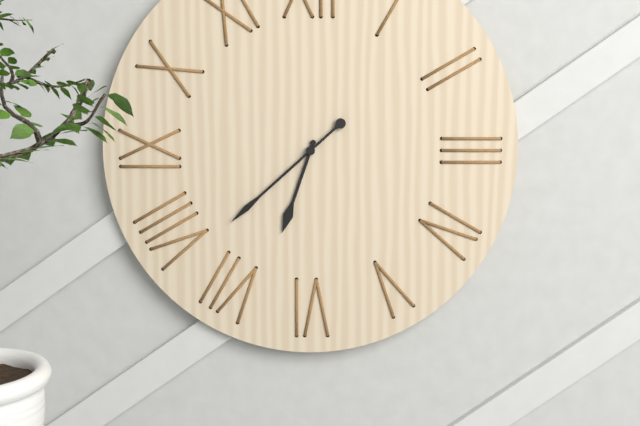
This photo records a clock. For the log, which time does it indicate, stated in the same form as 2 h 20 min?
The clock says 6 h 38 min
